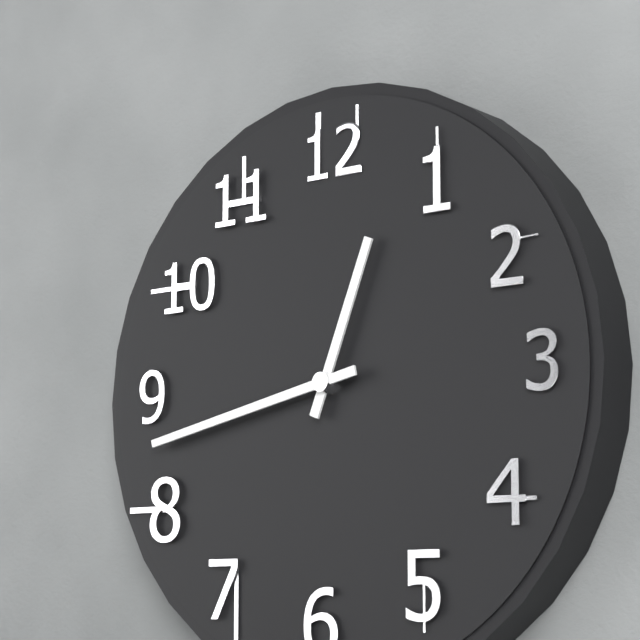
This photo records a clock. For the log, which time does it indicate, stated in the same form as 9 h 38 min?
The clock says 12 h 43 min
